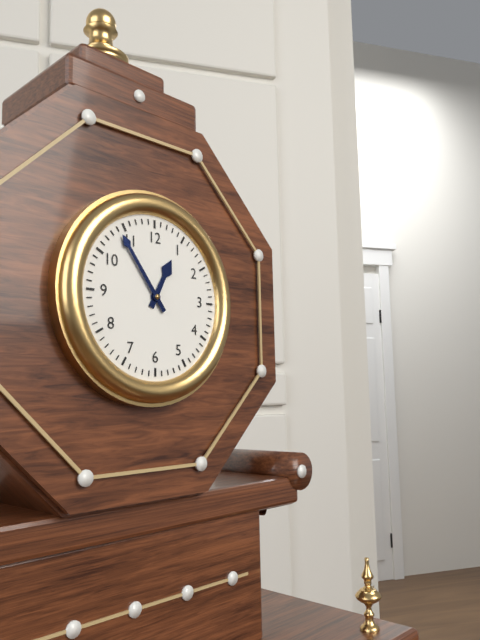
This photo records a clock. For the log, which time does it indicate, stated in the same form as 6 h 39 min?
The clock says 12 h 54 min
